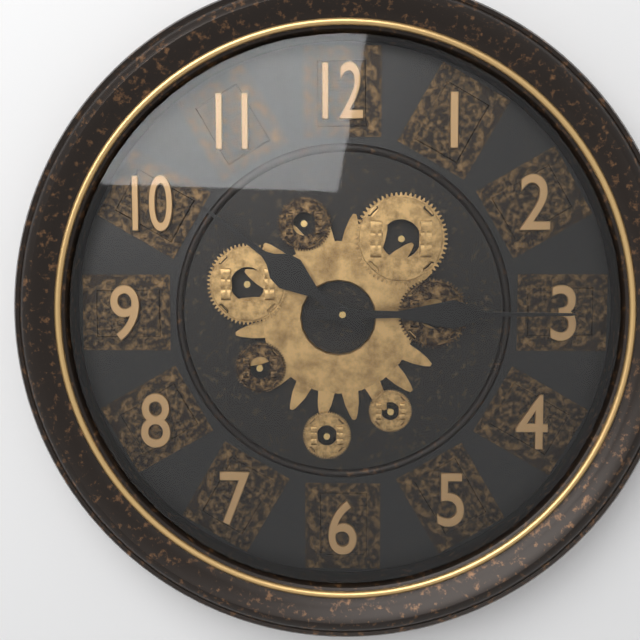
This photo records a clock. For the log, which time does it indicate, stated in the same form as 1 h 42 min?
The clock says 10 h 15 min
